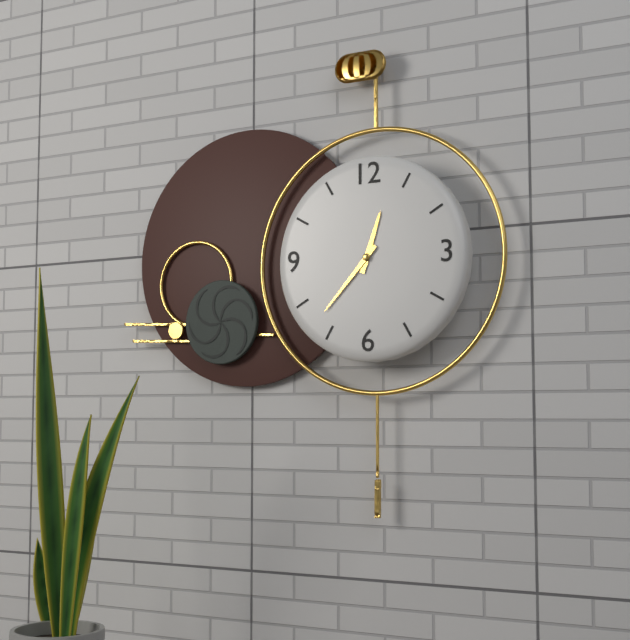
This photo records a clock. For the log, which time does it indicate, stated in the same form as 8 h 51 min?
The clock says 12 h 37 min
